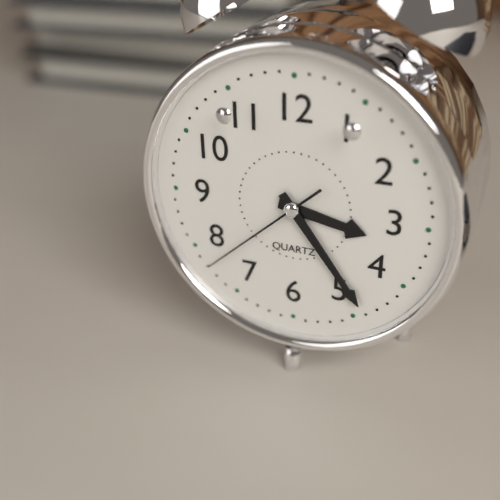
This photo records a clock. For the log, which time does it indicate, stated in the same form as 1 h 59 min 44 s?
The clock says 3 h 24 min 38 s
